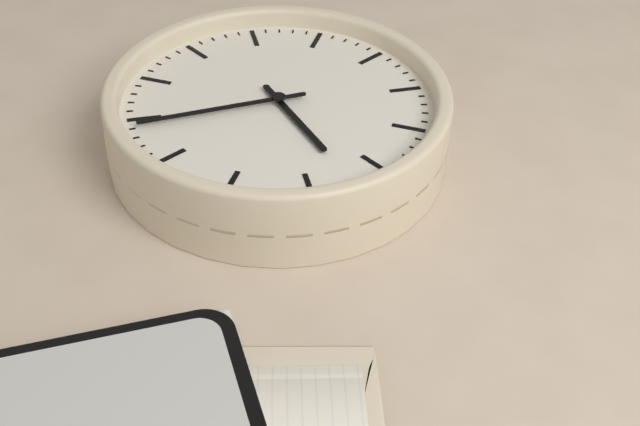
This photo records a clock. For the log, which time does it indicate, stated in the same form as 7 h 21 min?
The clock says 2 h 29 min
